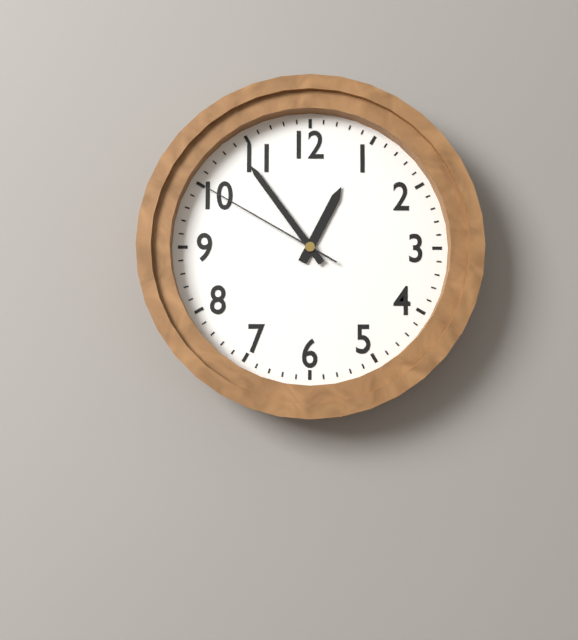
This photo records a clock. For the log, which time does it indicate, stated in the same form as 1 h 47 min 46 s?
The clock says 12 h 54 min 50 s
